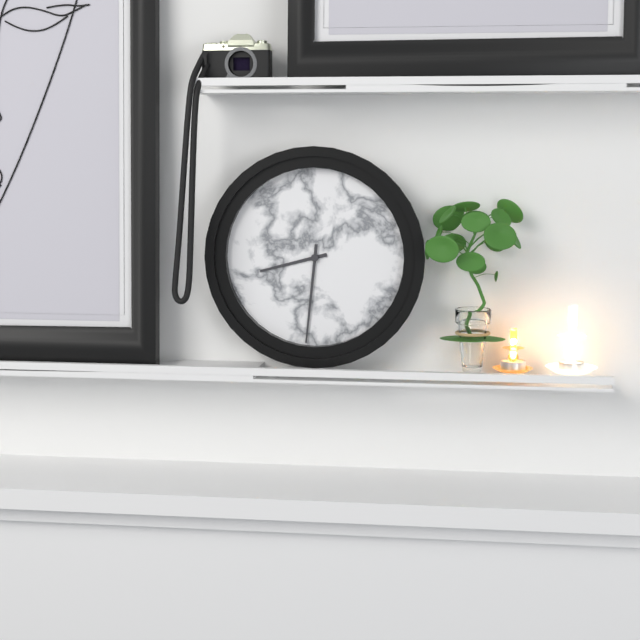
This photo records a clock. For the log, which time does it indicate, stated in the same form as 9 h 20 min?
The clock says 8 h 31 min
